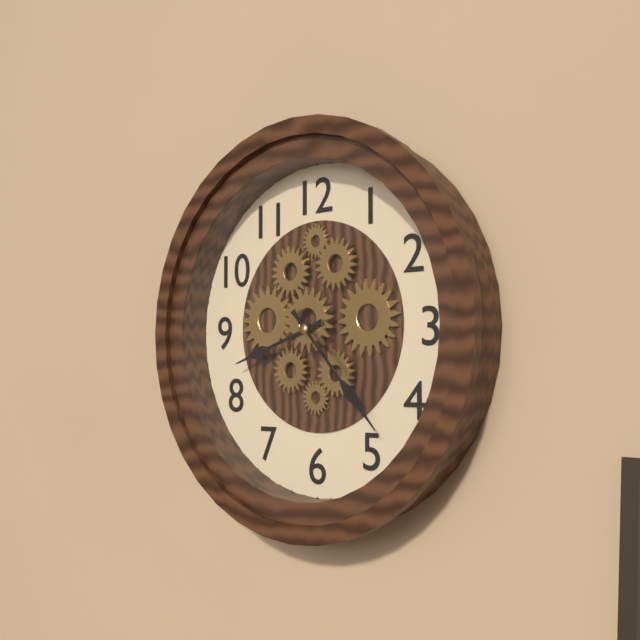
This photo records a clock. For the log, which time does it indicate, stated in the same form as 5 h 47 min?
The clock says 8 h 23 min
